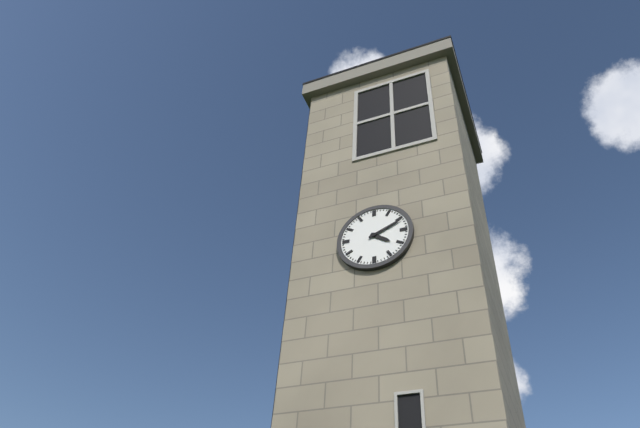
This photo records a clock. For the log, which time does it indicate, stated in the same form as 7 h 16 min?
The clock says 4 h 11 min
